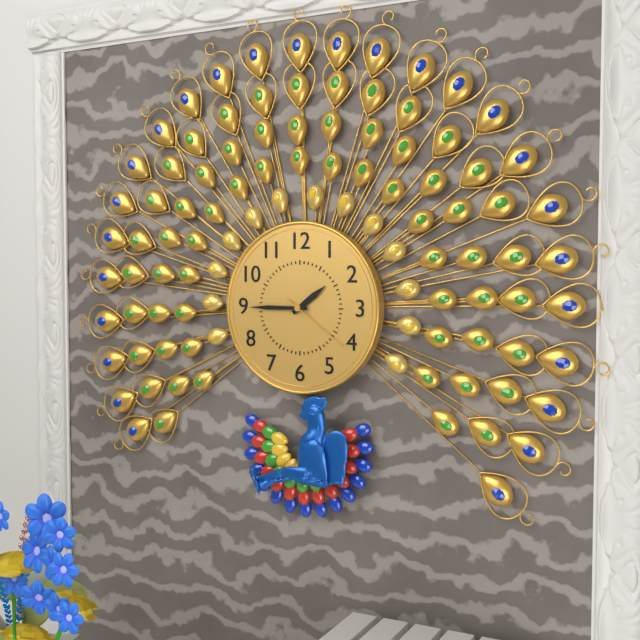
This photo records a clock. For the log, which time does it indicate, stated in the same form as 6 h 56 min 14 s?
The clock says 1 h 45 min 21 s
